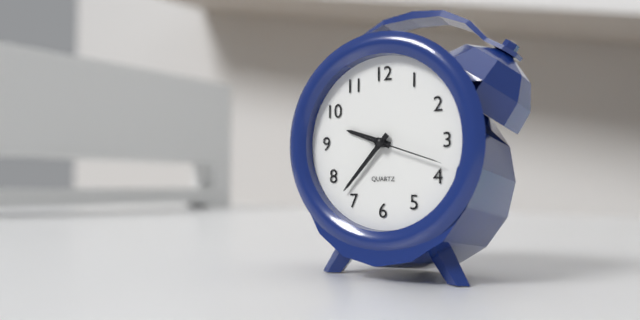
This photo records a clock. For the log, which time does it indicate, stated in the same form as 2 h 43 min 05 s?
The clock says 9 h 37 min 18 s
